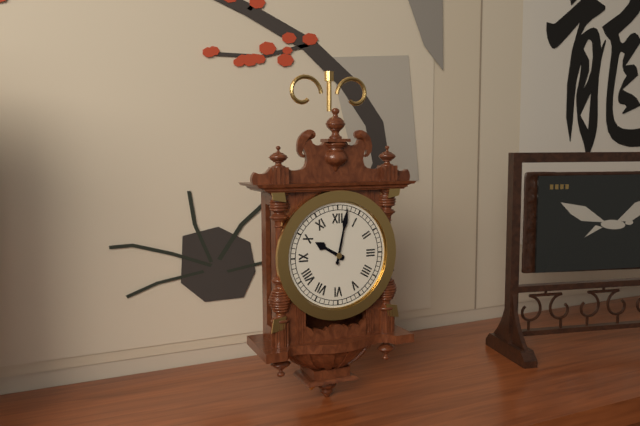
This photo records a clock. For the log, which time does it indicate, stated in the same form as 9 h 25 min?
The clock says 10 h 02 min
